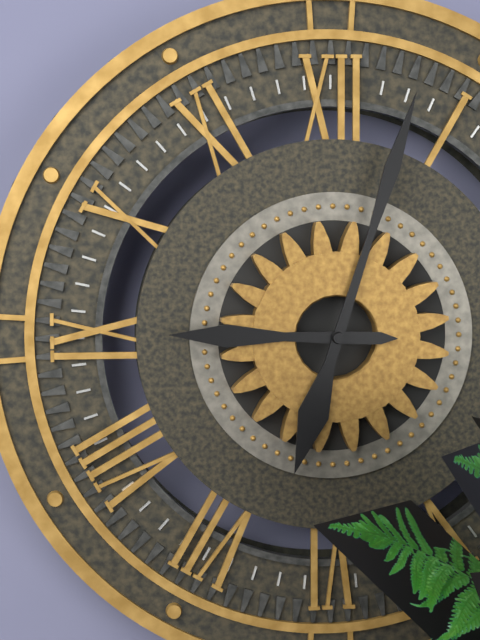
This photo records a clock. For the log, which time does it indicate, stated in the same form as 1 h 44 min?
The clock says 9 h 03 min
